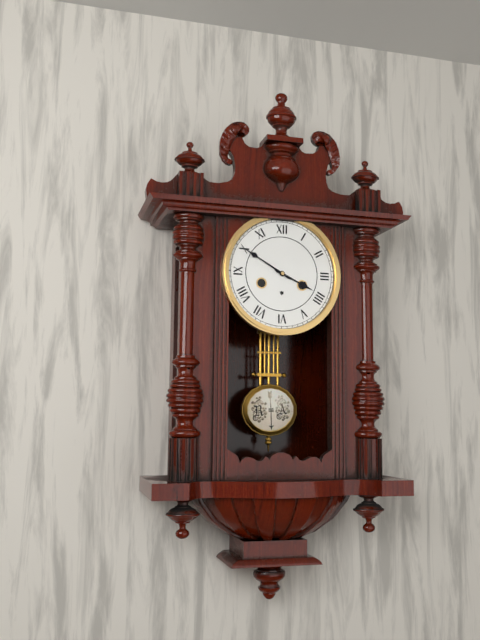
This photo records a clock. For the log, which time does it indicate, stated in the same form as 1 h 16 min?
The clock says 3 h 50 min
